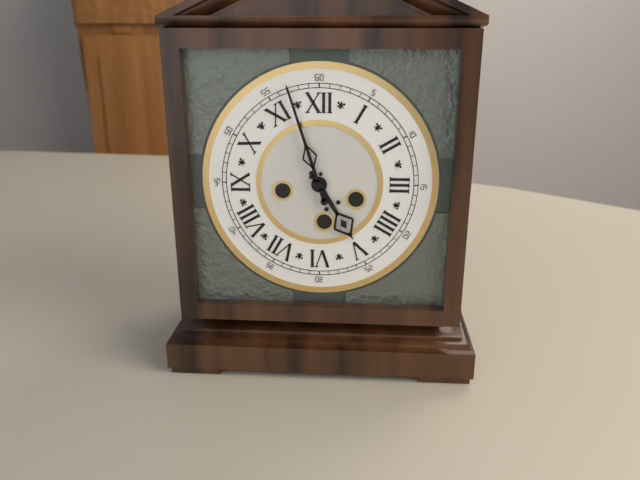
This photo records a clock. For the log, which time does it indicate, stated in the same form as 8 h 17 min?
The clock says 4 h 57 min
